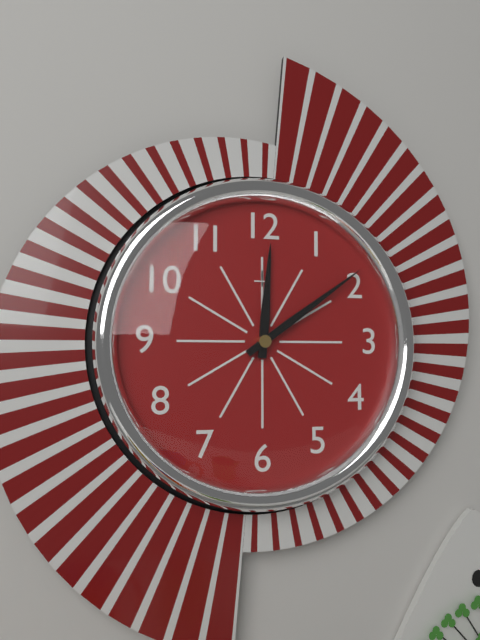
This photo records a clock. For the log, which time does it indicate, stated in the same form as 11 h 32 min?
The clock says 12 h 09 min
